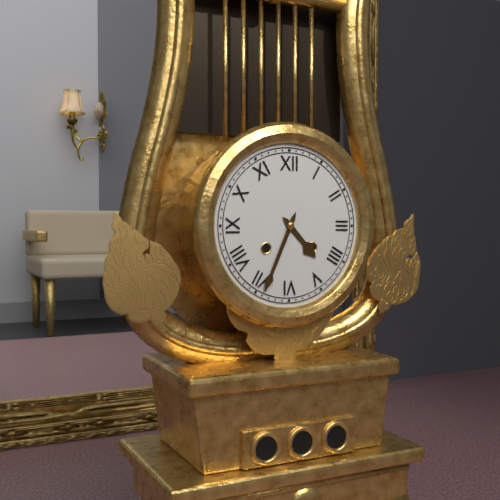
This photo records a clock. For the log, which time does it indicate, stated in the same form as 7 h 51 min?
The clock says 4 h 34 min
